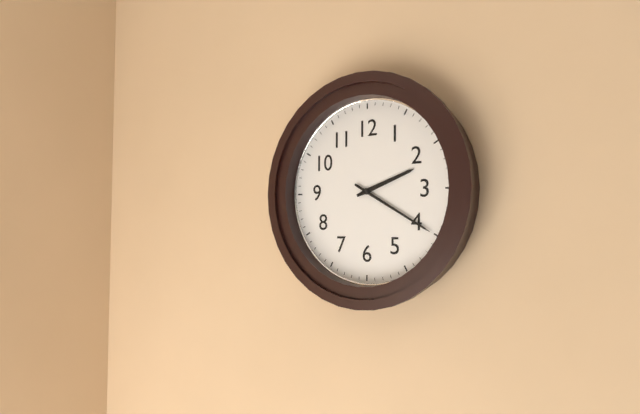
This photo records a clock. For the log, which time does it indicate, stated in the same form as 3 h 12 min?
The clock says 2 h 20 min
